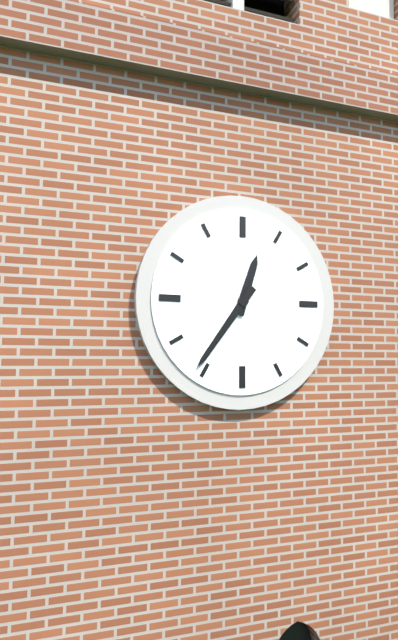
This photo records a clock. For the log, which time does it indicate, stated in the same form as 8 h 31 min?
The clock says 12 h 36 min
